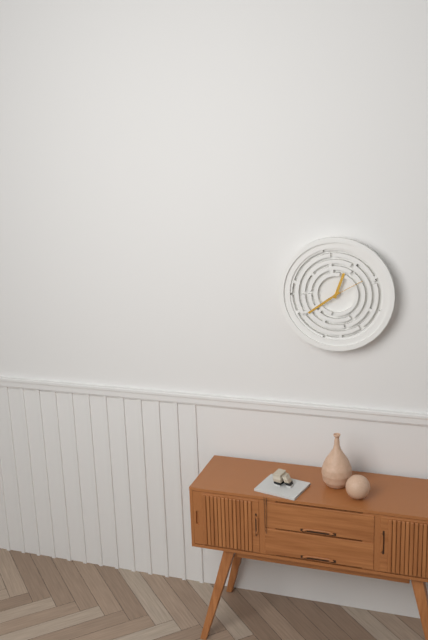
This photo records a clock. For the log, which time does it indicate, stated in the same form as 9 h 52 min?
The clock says 12 h 39 min
